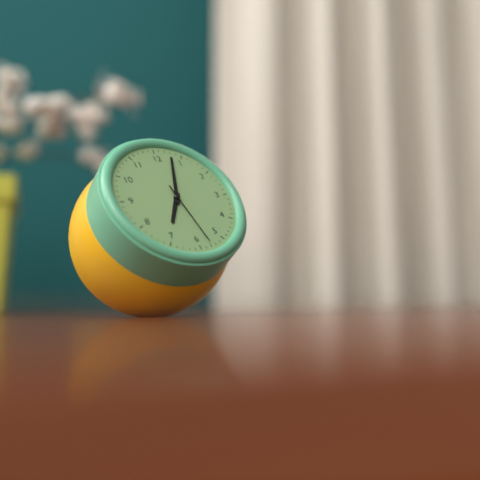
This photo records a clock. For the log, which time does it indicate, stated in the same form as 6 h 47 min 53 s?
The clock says 7 h 03 min 28 s
